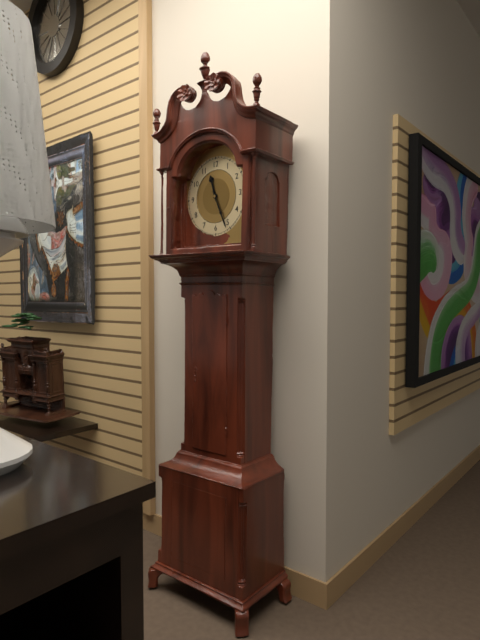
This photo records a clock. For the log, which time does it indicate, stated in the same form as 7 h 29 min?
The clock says 11 h 26 min
